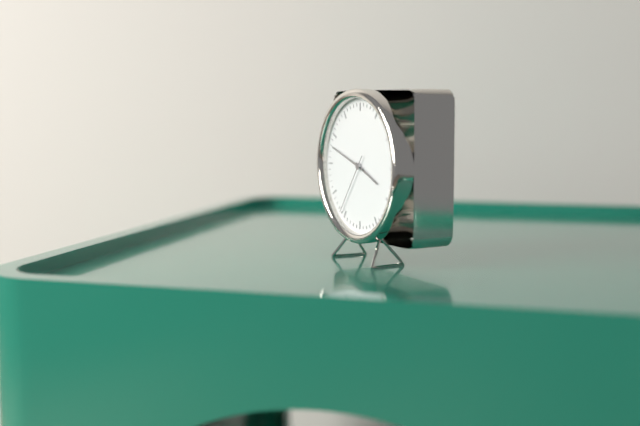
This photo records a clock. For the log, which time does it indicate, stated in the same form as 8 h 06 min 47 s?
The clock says 3 h 48 min 36 s
